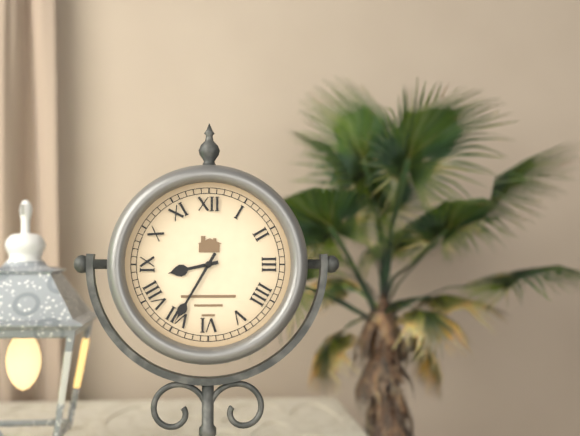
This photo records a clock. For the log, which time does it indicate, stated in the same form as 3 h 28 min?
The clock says 8 h 35 min
